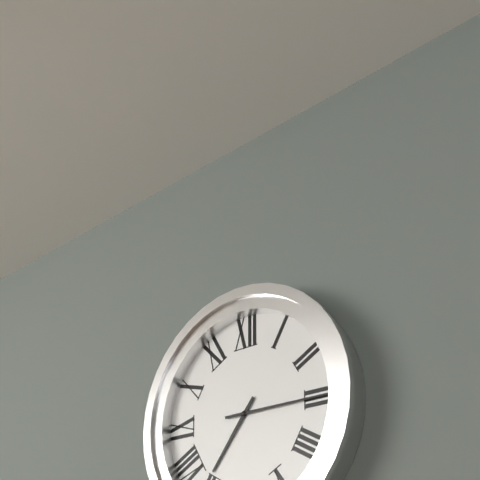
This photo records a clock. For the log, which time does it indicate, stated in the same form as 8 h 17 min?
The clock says 7 h 15 min
